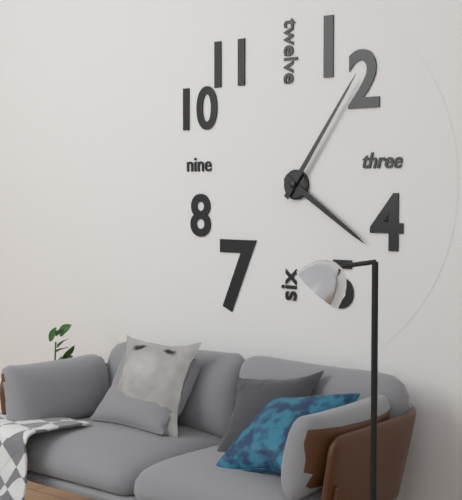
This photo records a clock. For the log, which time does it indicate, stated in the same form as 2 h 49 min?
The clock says 4 h 06 min
